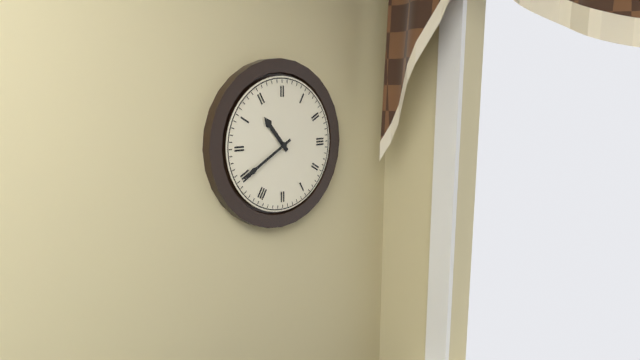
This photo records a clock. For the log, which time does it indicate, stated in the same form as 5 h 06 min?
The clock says 10 h 40 min
